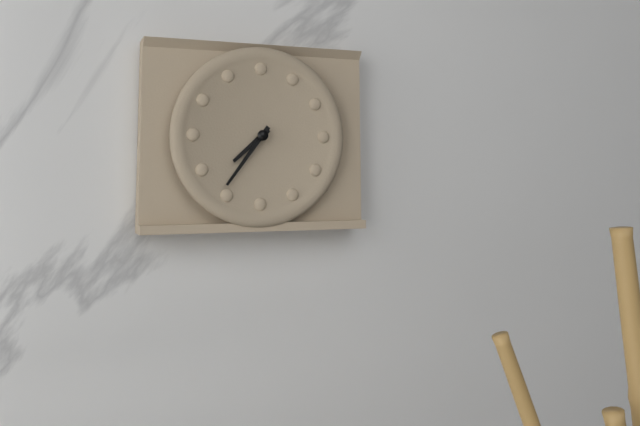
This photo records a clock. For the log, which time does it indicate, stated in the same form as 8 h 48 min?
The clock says 7 h 36 min
